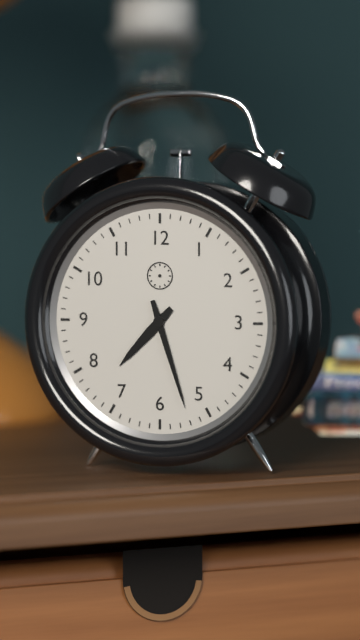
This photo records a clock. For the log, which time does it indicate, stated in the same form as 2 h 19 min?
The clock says 7 h 27 min
